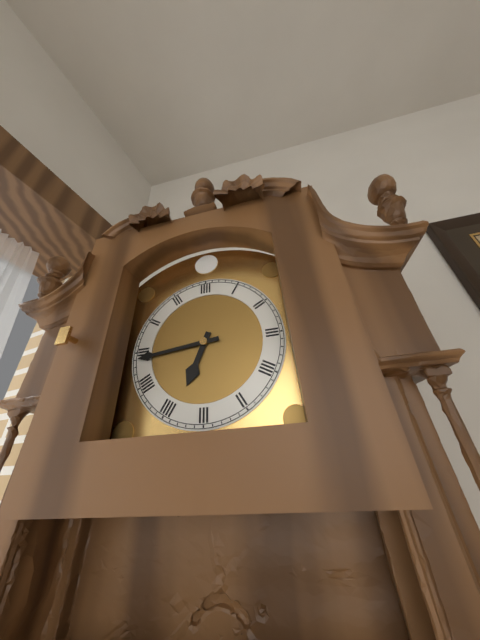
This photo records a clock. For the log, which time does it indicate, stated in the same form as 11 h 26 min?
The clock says 6 h 44 min
